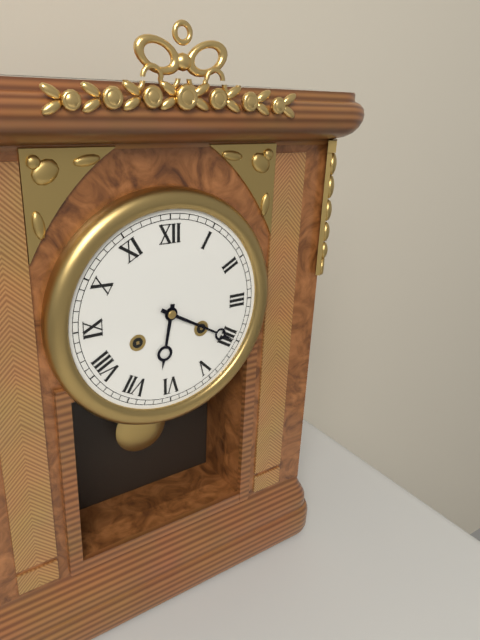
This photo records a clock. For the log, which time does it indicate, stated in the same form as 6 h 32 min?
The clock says 6 h 20 min
